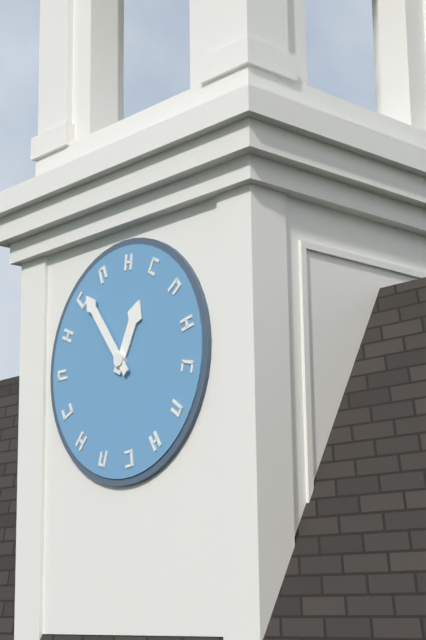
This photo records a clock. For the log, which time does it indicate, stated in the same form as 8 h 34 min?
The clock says 12 h 54 min
